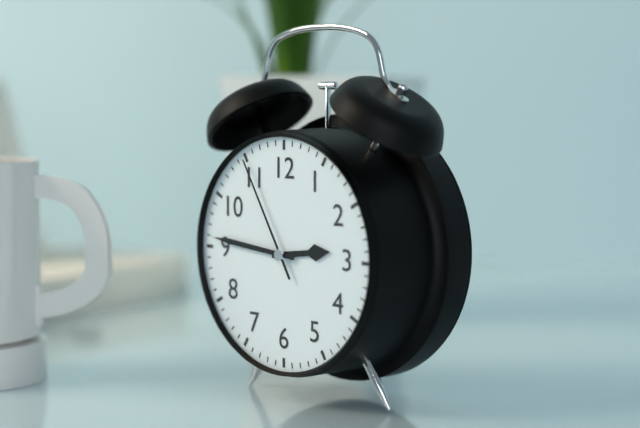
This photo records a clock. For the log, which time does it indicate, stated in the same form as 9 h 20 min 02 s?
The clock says 2 h 46 min 55 s
